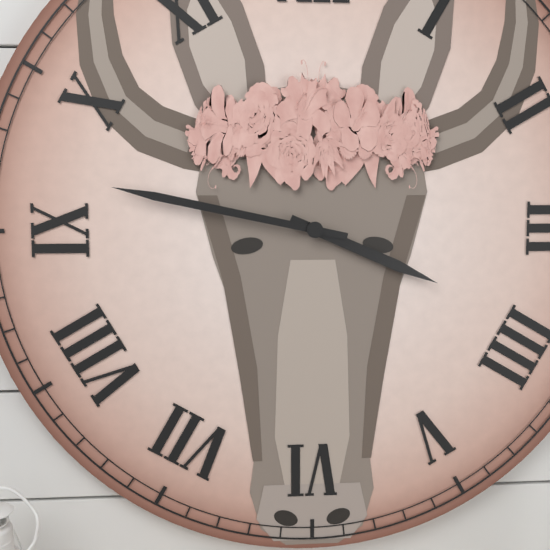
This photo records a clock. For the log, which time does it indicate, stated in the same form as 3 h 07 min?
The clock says 3 h 47 min
